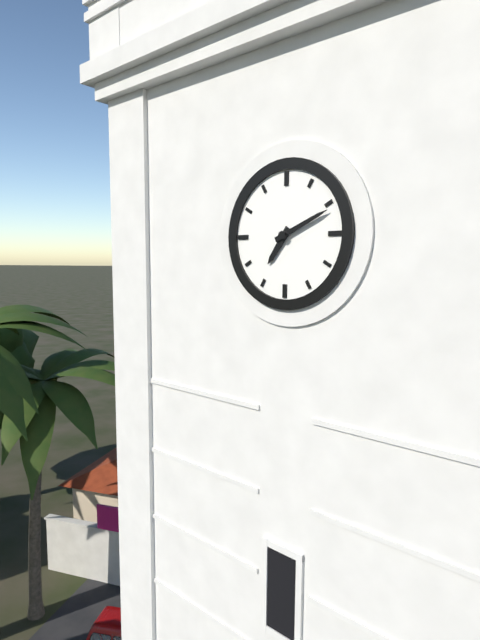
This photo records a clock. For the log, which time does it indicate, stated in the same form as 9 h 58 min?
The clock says 7 h 11 min
